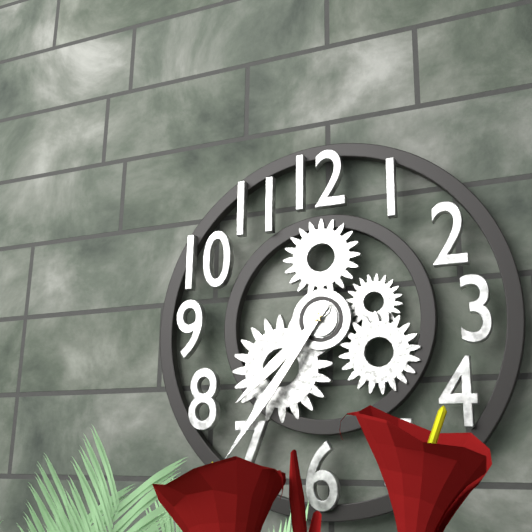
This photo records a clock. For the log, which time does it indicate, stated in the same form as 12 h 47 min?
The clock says 7 h 36 min
